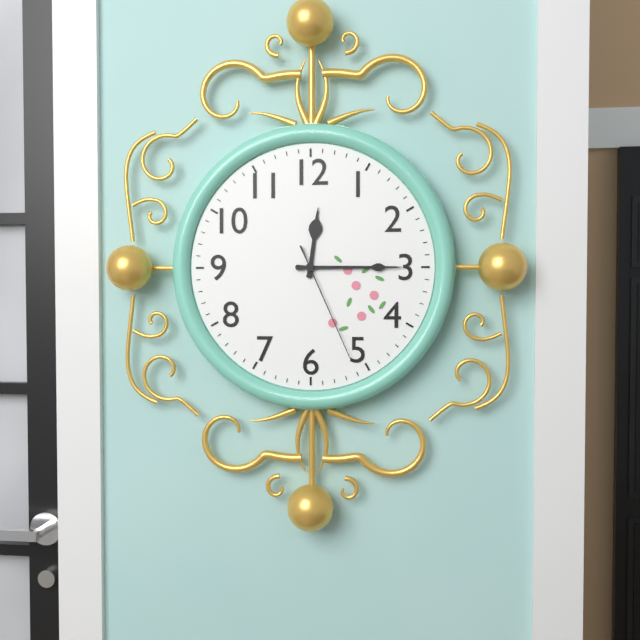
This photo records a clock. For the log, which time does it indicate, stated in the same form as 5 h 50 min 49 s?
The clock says 12 h 15 min 26 s
